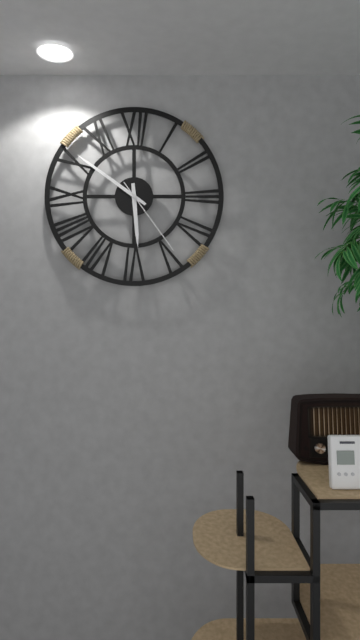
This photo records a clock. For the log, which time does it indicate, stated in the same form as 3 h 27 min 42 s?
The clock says 5 h 51 min 24 s
